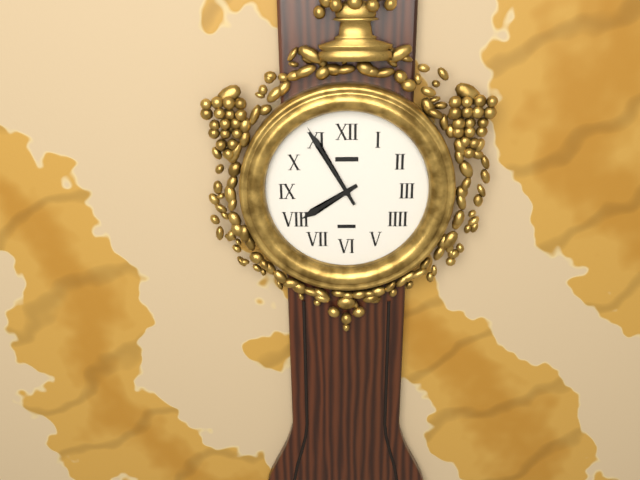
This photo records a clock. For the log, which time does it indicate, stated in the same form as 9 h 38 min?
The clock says 7 h 55 min
